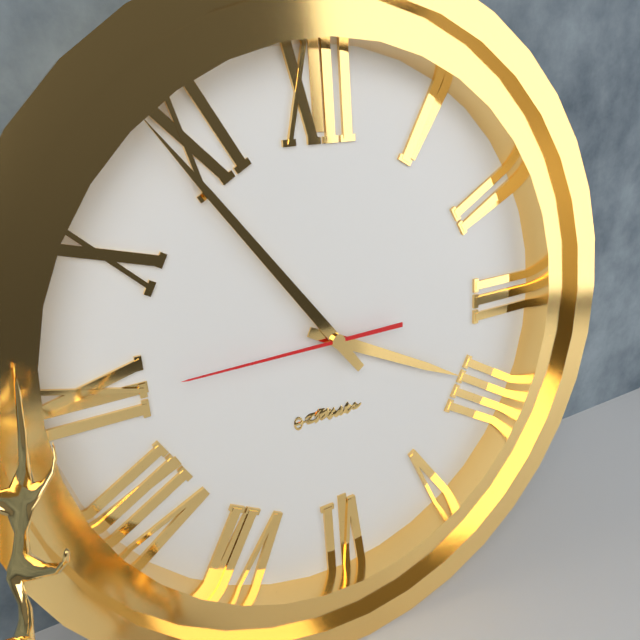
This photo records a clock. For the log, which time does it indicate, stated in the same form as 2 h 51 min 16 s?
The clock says 3 h 54 min 45 s
